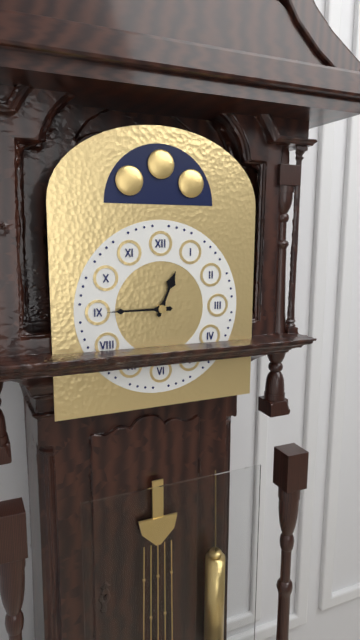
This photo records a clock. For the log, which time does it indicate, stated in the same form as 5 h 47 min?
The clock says 12 h 45 min
